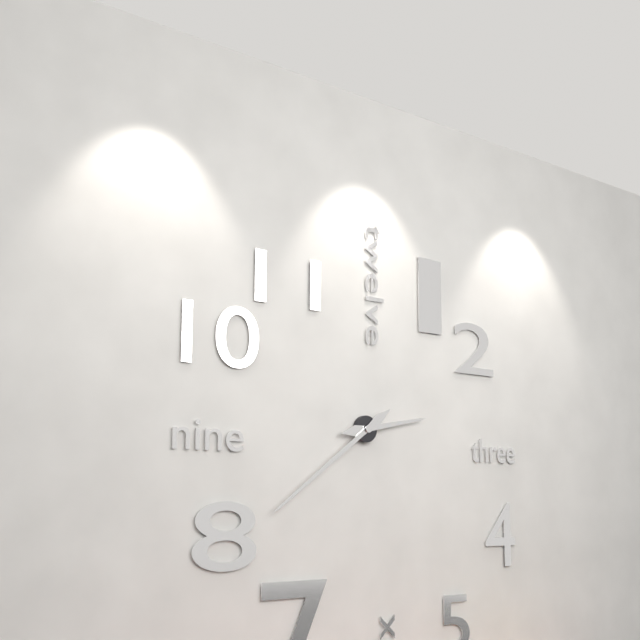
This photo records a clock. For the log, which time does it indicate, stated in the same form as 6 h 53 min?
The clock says 2 h 39 min
